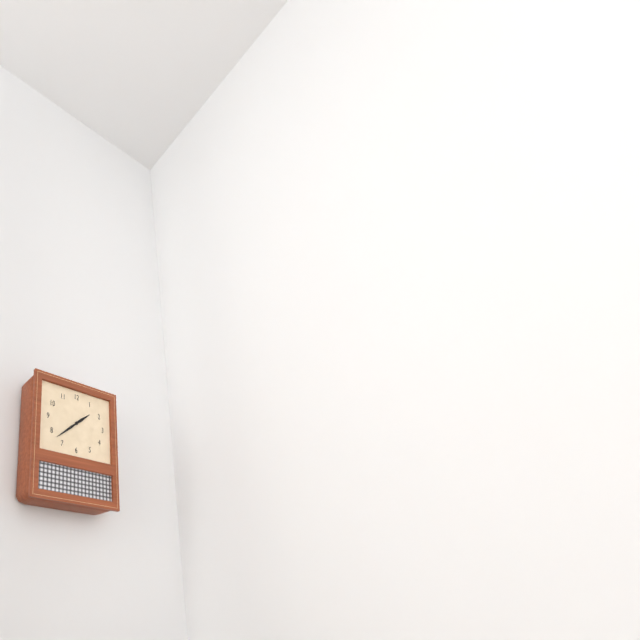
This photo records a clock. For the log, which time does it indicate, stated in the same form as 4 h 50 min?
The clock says 1 h 38 min
